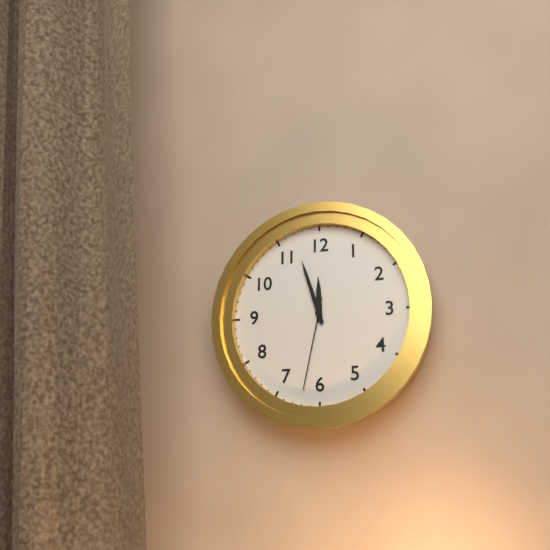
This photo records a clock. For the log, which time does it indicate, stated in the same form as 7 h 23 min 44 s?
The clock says 11 h 57 min 32 s
